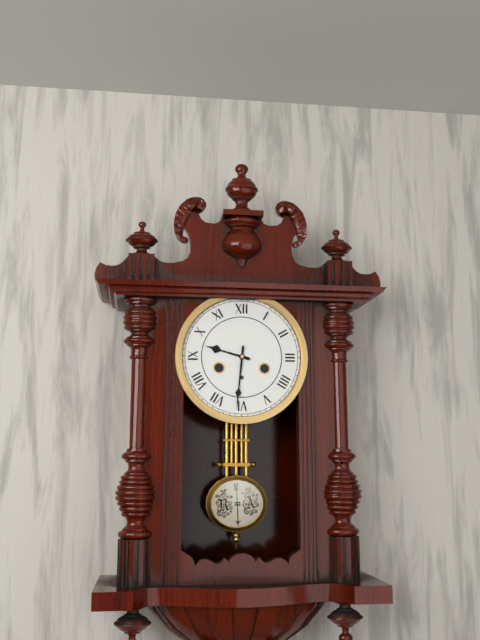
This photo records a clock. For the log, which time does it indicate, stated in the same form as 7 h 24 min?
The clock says 9 h 31 min
